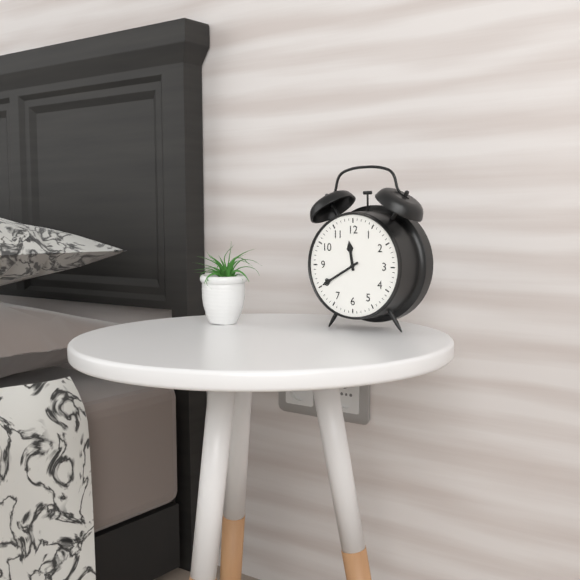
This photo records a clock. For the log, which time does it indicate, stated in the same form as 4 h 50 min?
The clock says 11 h 40 min
